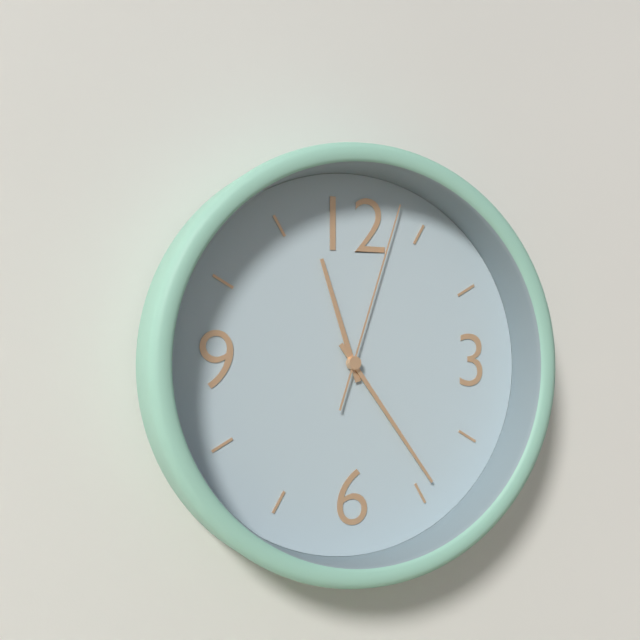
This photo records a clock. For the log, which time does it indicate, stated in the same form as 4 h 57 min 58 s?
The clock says 11 h 24 min 03 s
